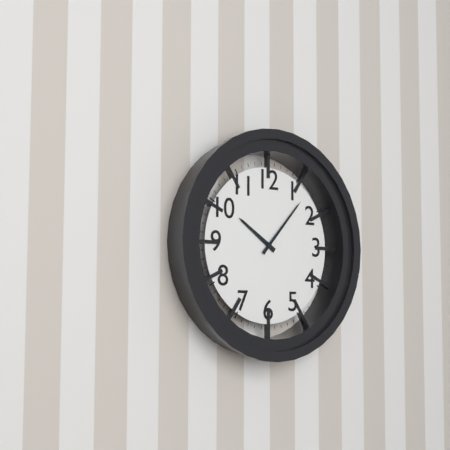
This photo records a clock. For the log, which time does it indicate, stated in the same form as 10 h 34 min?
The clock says 10 h 07 min
